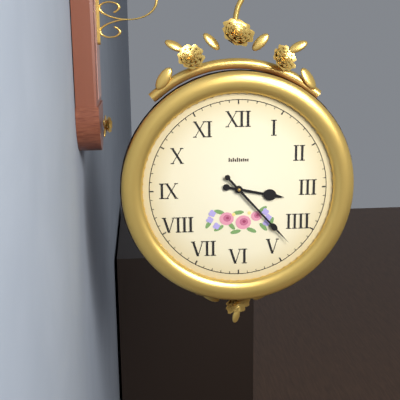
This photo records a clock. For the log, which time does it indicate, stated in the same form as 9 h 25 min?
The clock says 3 h 23 min
